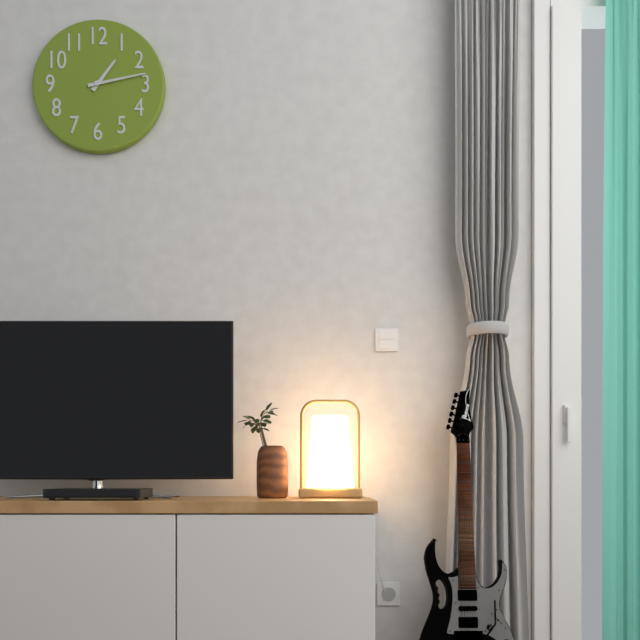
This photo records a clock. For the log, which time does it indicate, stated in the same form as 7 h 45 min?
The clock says 1 h 13 min
